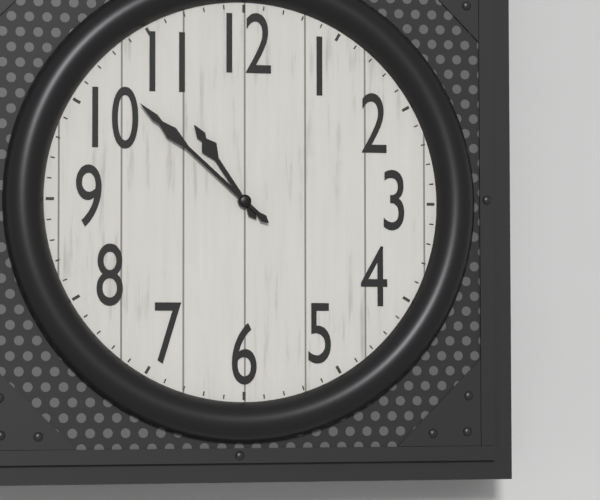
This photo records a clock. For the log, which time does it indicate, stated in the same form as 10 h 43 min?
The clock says 10 h 52 min
